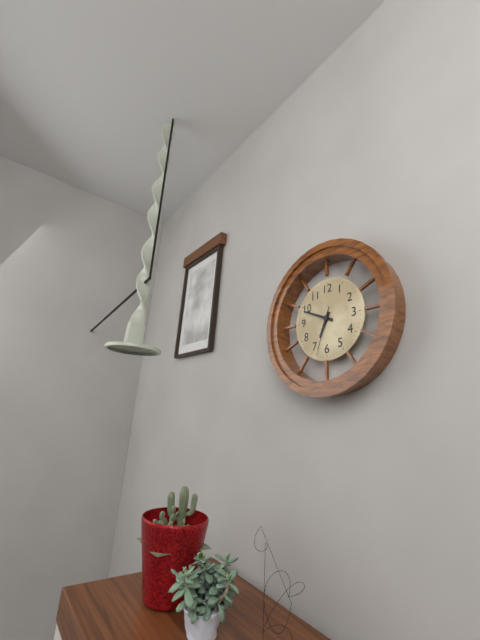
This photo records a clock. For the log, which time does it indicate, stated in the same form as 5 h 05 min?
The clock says 6 h 49 min
